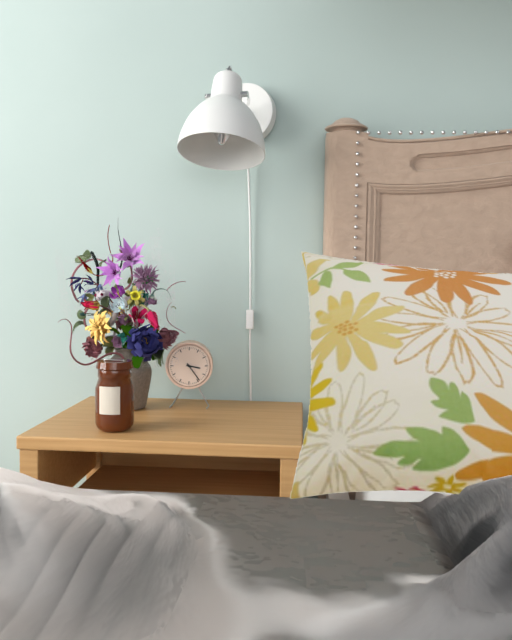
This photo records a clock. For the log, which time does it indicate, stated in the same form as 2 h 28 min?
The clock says 3 h 24 min
